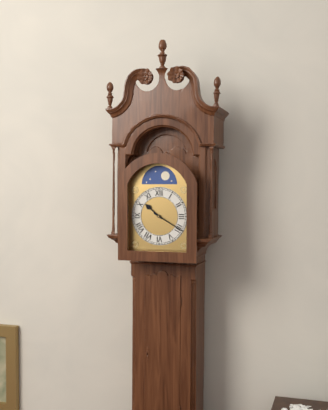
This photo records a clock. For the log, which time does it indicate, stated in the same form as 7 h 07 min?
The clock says 10 h 20 min
